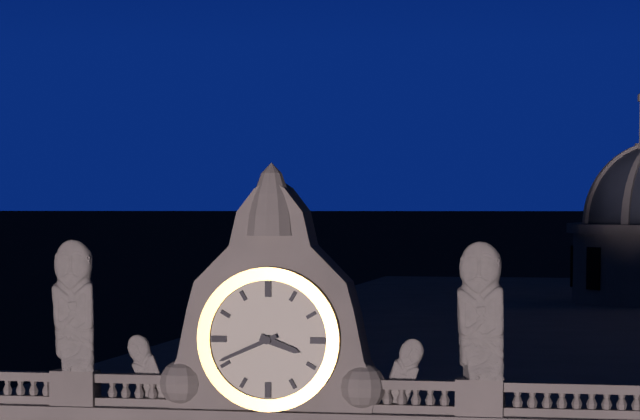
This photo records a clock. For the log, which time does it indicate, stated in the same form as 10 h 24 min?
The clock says 3 h 41 min
